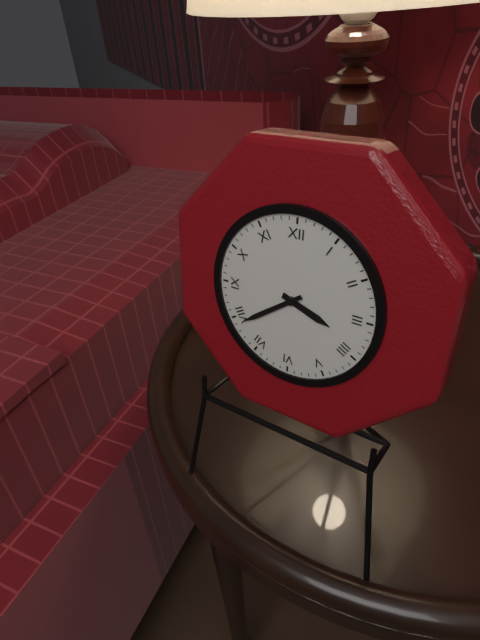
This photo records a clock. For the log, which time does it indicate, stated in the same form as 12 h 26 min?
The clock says 3 h 39 min
